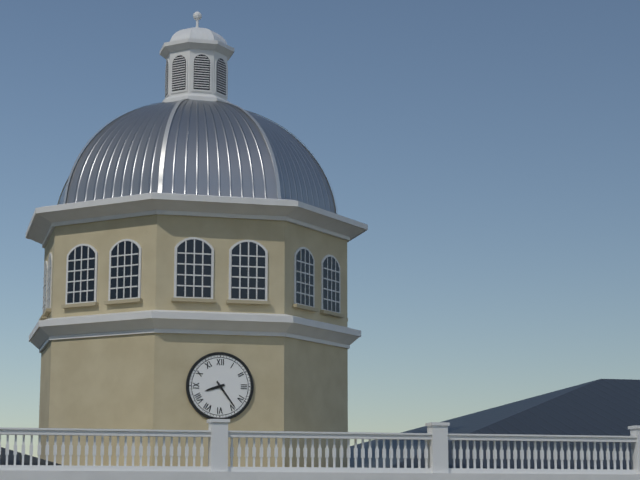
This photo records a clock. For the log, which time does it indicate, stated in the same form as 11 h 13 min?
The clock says 8 h 24 min
